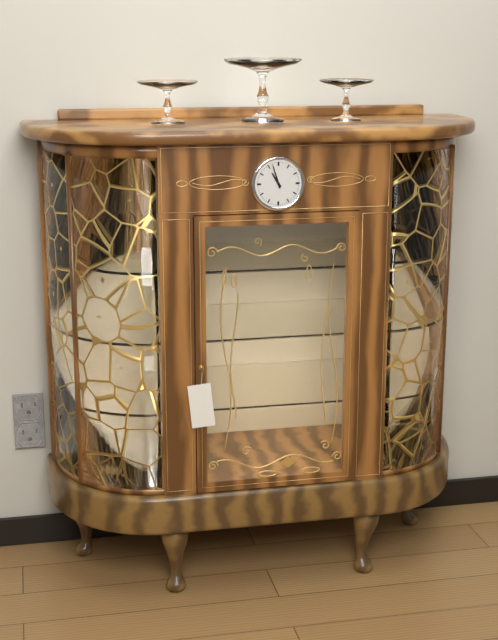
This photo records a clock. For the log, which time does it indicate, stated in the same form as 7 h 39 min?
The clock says 10 h 57 min
